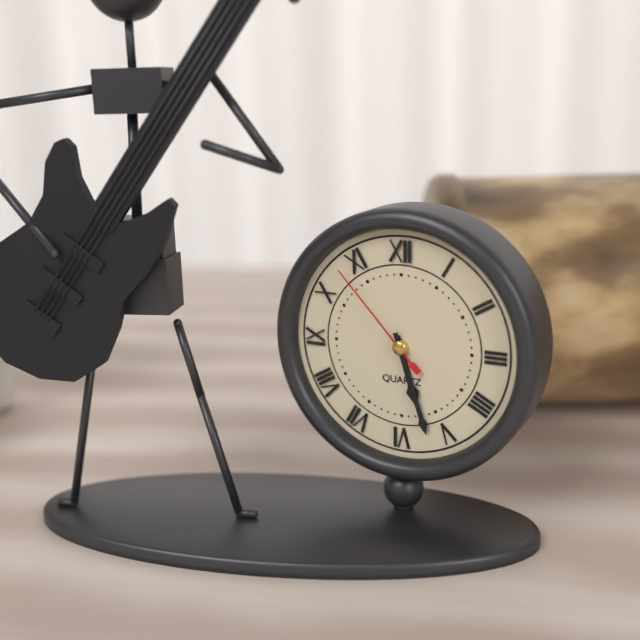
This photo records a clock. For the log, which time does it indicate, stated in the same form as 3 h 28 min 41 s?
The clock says 5 h 27 min 53 s
